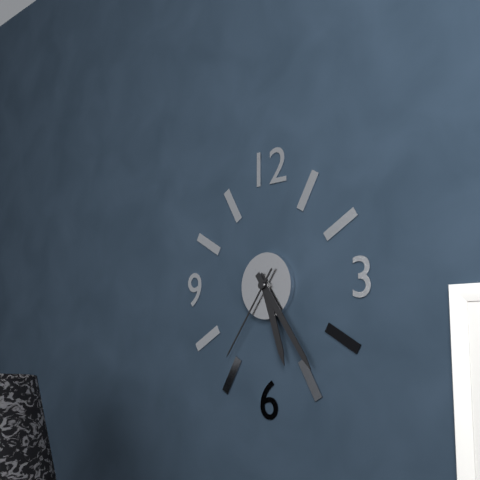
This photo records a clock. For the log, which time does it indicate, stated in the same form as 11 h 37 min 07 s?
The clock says 5 h 24 min 36 s
